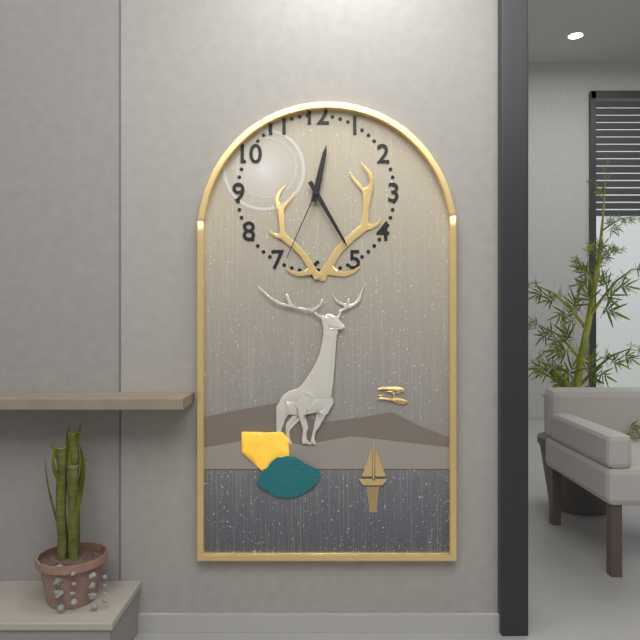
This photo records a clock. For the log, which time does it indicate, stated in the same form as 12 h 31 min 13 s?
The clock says 12 h 25 min 34 s
